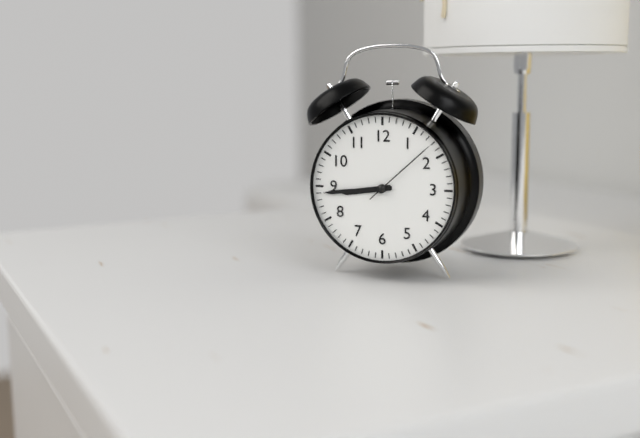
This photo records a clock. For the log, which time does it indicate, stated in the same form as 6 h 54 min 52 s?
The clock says 8 h 44 min 08 s
